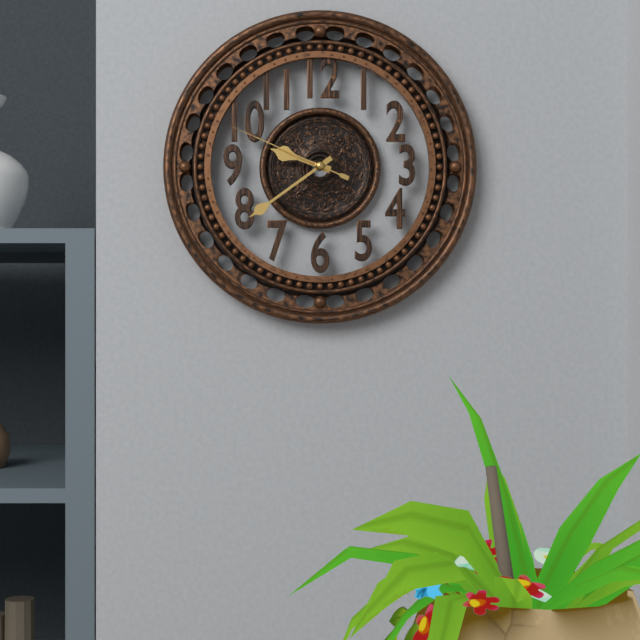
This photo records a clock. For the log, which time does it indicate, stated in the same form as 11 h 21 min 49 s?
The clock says 9 h 39 min 49 s
